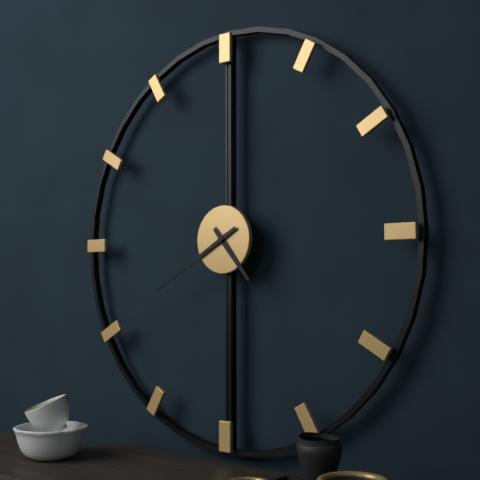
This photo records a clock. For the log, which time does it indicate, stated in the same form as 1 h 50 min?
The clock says 4 h 40 min
